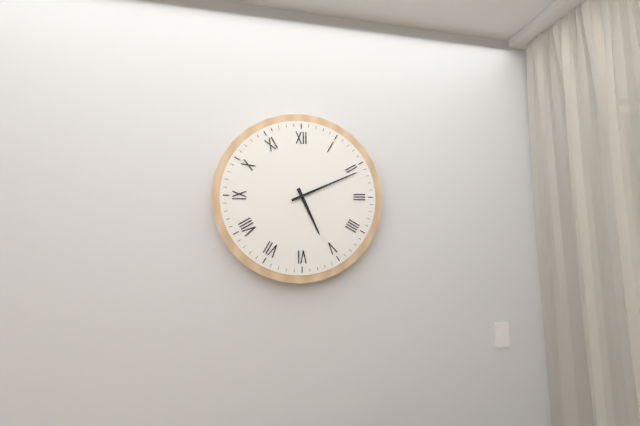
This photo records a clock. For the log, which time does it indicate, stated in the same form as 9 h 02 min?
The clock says 5 h 11 min
